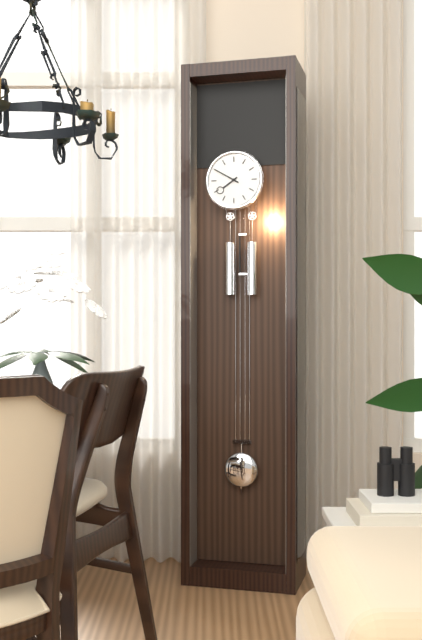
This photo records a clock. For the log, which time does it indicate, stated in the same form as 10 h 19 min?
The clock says 7 h 50 min
